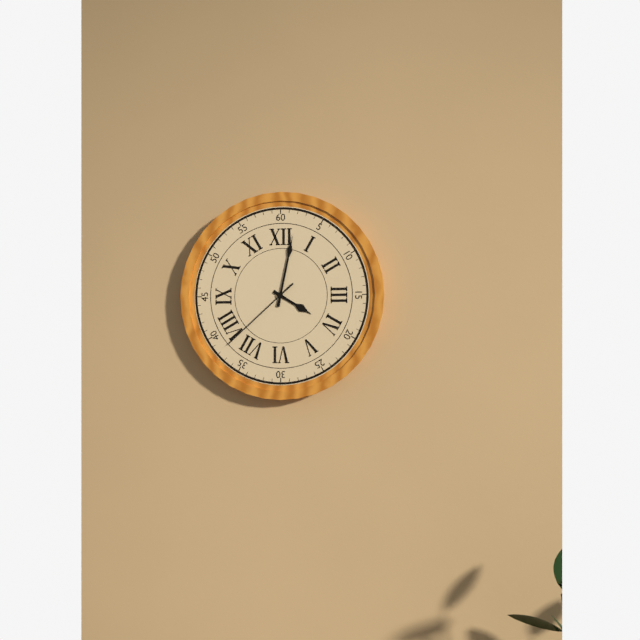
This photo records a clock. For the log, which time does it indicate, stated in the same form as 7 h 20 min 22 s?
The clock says 4 h 02 min 38 s
